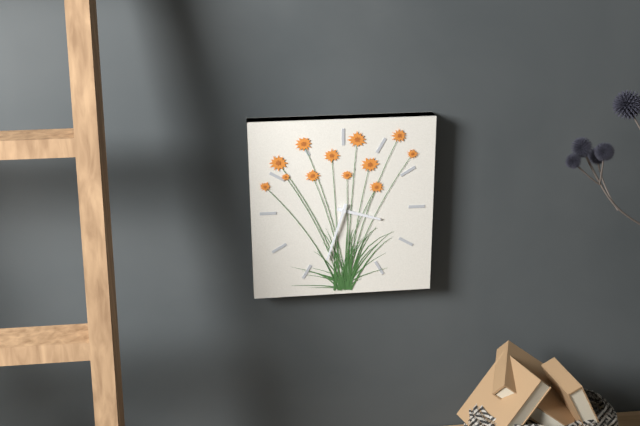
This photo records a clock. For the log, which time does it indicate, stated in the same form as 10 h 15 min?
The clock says 3 h 33 min
